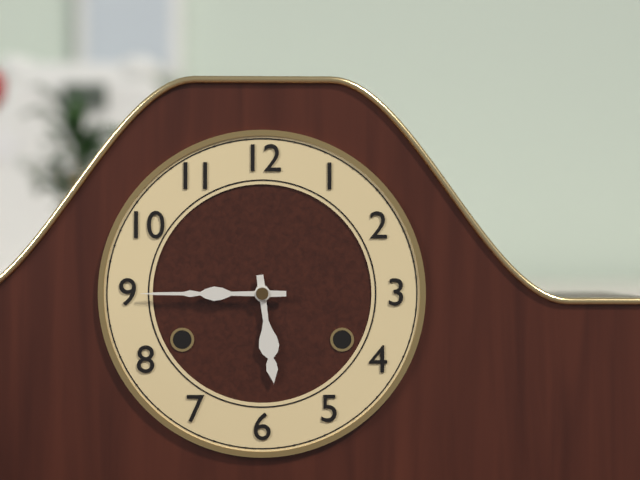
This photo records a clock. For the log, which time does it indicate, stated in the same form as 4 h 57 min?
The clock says 5 h 45 min
